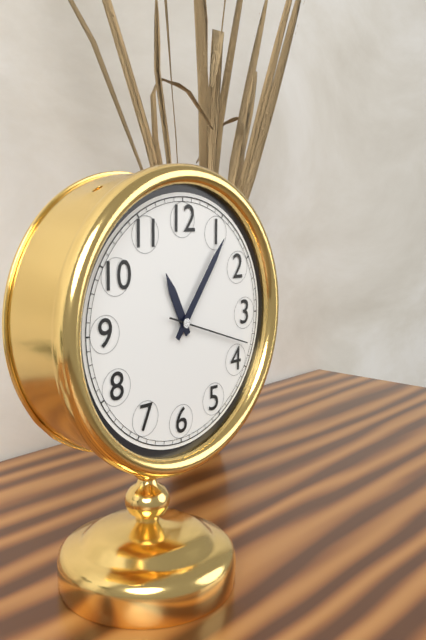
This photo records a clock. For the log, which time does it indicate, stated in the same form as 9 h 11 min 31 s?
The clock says 11 h 06 min 18 s
